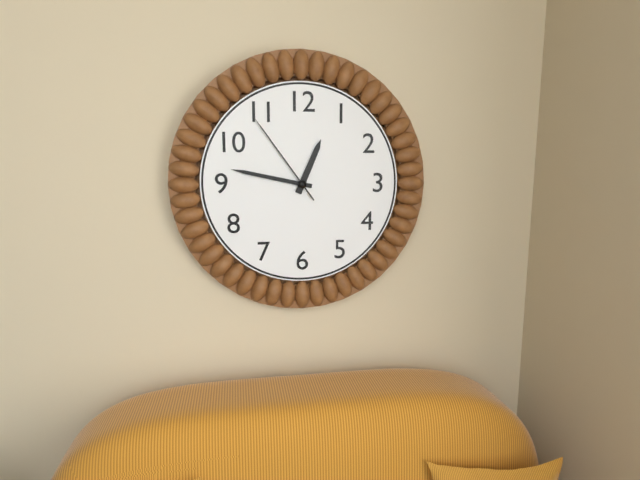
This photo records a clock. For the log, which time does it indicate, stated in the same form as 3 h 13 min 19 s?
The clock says 12 h 47 min 54 s
